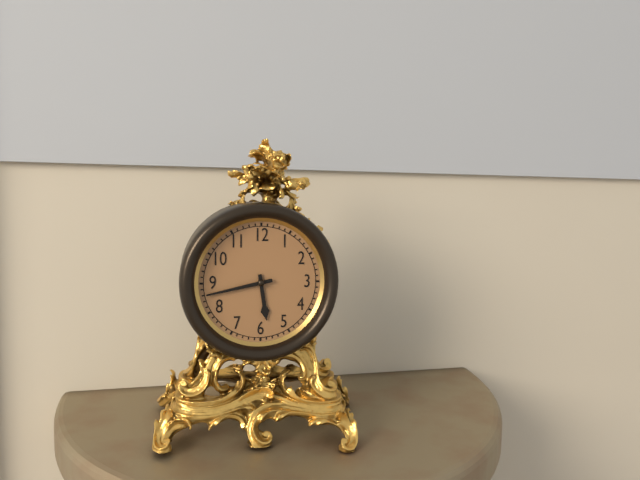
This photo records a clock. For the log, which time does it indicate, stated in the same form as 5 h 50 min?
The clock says 5 h 43 min
